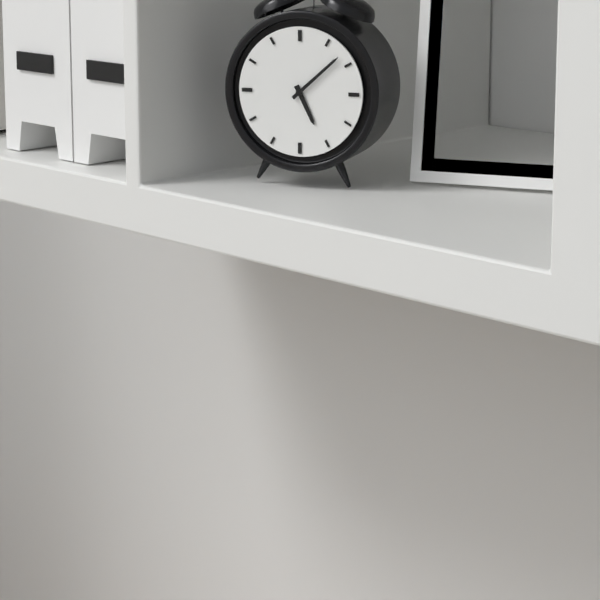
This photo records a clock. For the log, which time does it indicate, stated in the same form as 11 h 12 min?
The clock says 5 h 08 min
